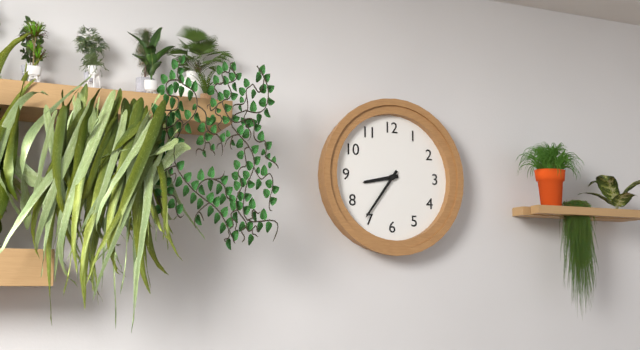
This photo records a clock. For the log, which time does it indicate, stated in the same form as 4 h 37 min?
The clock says 8 h 36 min
